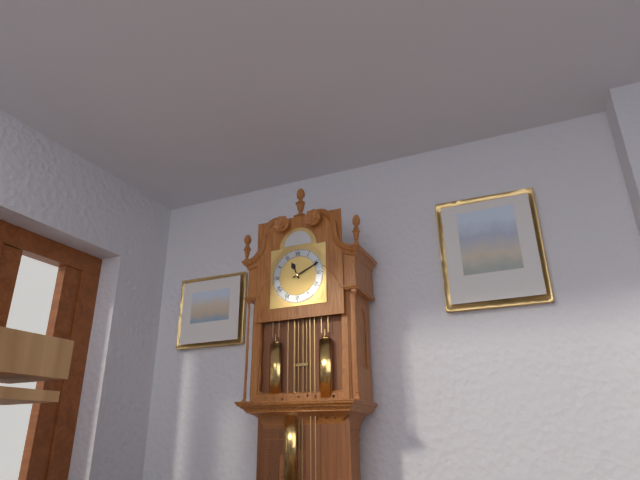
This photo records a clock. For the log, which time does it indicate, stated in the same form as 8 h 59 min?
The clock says 11 h 11 min
